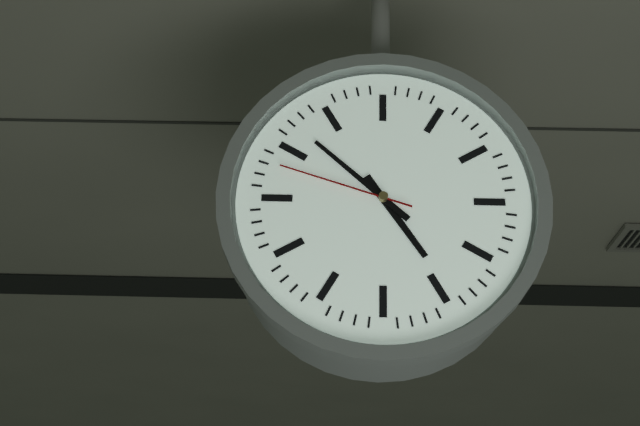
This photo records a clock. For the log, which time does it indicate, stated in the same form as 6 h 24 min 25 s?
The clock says 4 h 52 min 48 s
